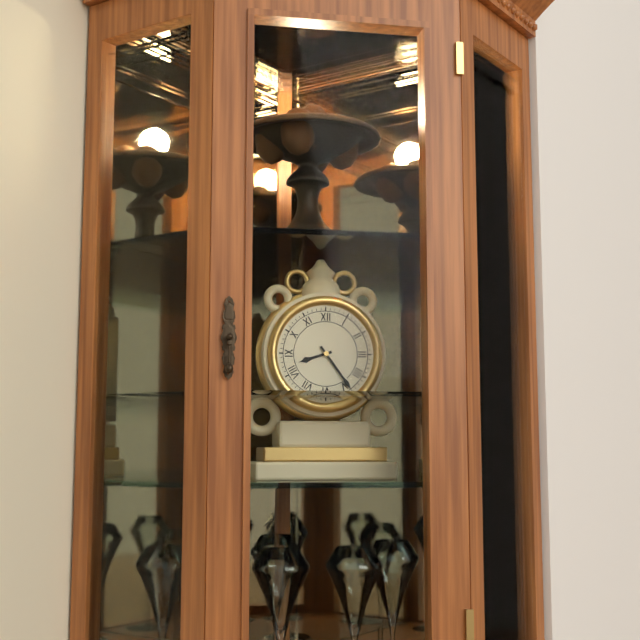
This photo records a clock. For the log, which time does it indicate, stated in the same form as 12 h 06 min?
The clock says 8 h 24 min
